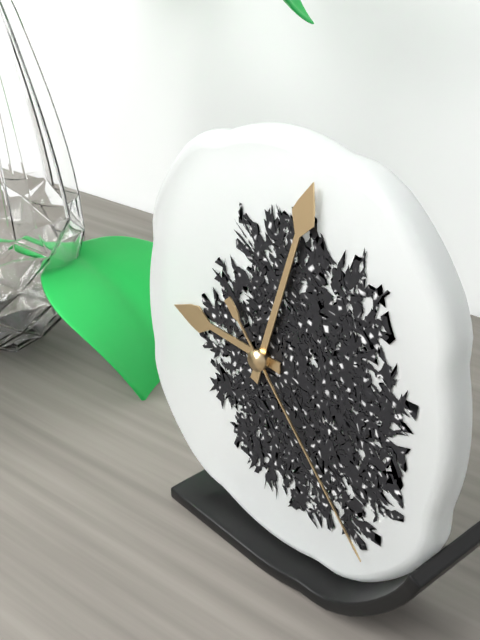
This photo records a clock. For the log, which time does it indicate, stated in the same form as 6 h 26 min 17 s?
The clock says 9 h 03 min 23 s
